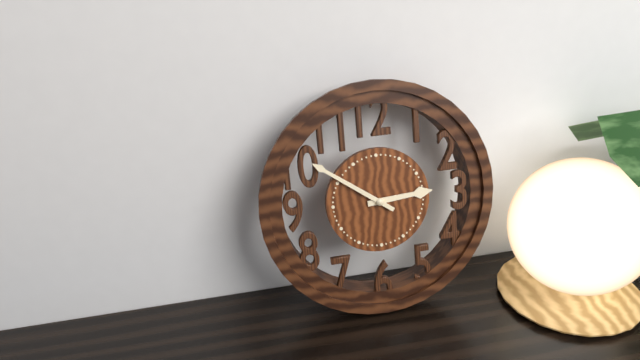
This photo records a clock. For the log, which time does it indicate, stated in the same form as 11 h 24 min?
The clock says 2 h 51 min
